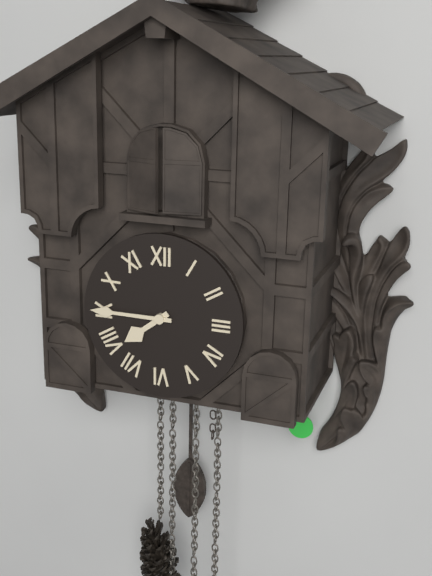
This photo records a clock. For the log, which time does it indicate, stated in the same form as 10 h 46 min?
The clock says 7 h 45 min
